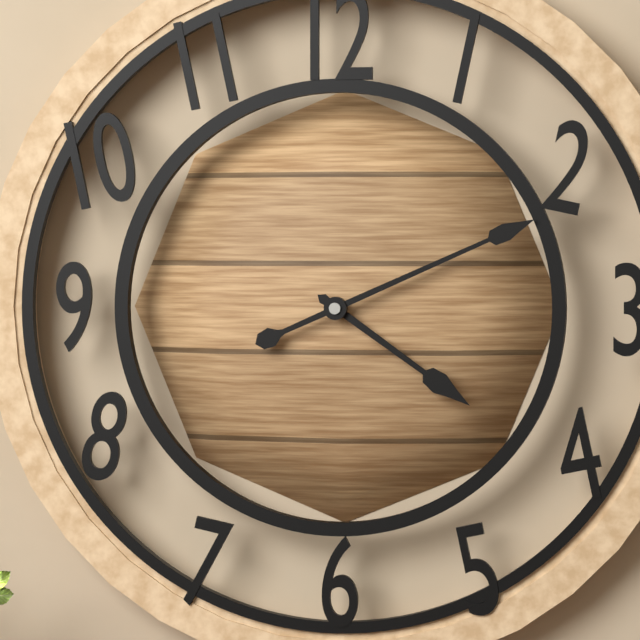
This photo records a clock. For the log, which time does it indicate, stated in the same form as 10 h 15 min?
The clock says 4 h 11 min
